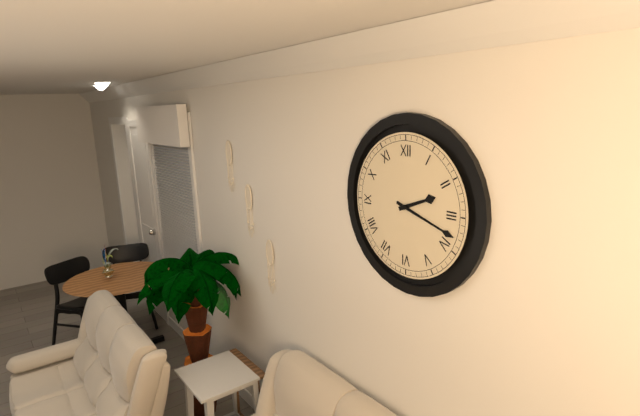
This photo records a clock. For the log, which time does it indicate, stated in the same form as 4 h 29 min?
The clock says 2 h 18 min
